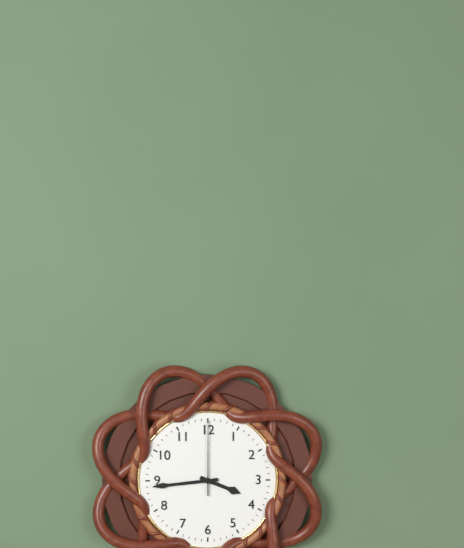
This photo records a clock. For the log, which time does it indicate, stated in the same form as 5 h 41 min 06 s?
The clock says 3 h 44 min 00 s
